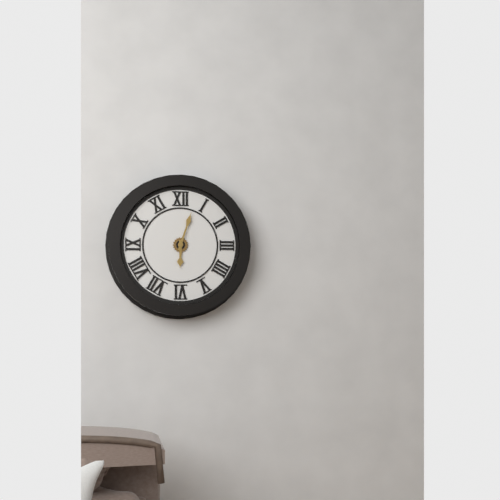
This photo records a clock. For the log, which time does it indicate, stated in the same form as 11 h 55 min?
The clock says 6 h 03 min
